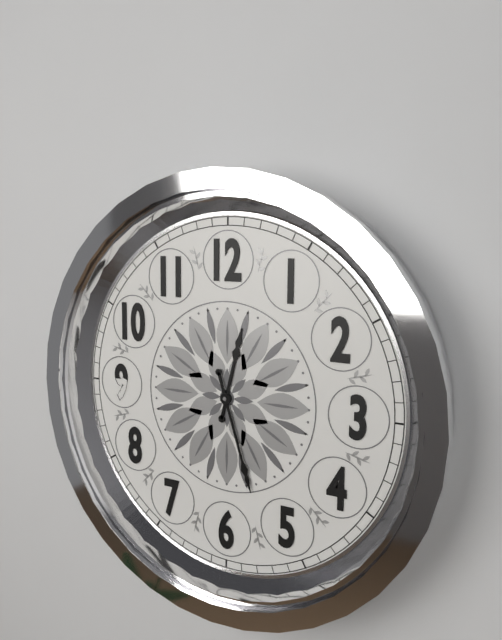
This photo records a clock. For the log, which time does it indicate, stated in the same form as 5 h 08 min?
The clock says 12 h 27 min
